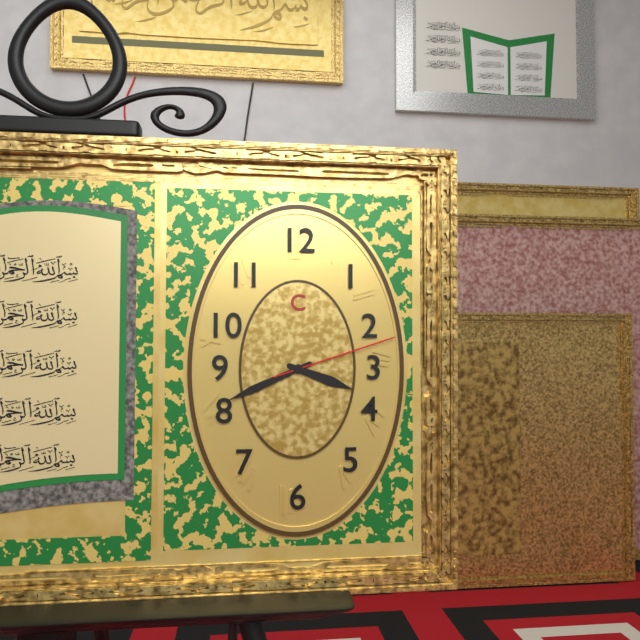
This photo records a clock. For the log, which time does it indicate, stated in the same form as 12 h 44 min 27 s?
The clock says 3 h 41 min 12 s
